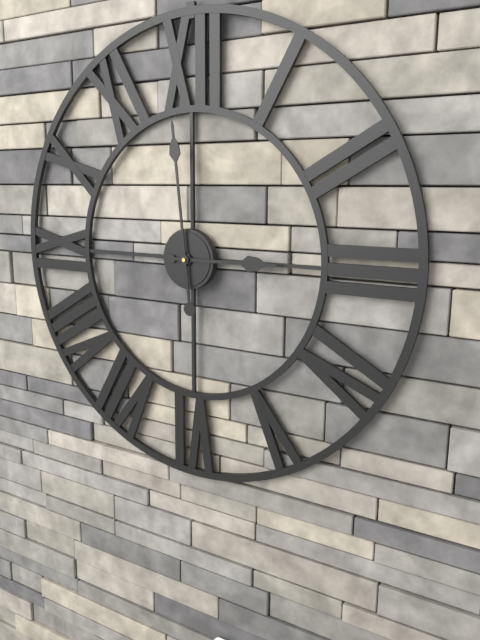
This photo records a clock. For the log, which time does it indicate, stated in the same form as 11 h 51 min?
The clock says 2 h 59 min
